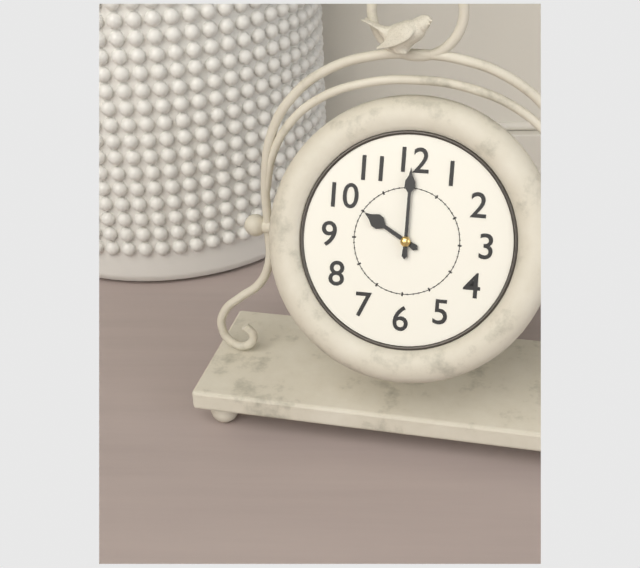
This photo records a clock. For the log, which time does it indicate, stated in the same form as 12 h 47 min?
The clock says 10 h 00 min
